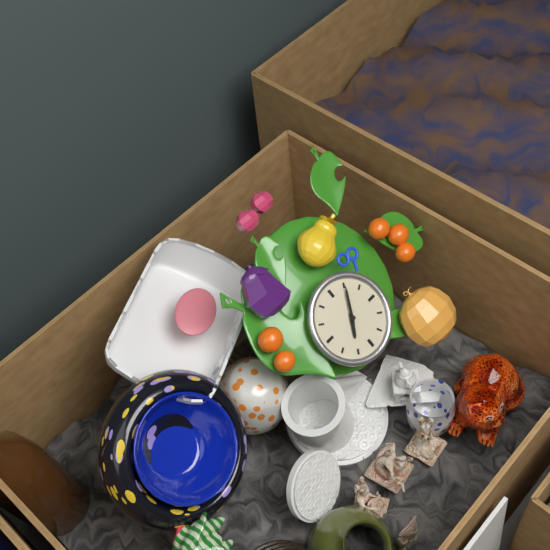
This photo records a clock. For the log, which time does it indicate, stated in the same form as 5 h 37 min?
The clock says 7 h 05 min
